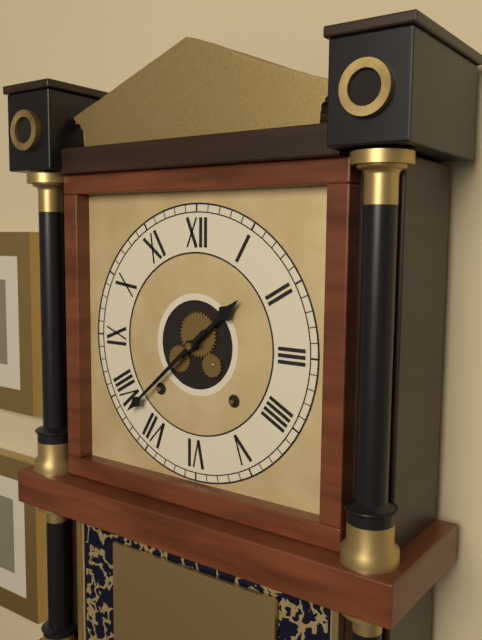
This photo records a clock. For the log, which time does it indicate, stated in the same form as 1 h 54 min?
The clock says 1 h 38 min
